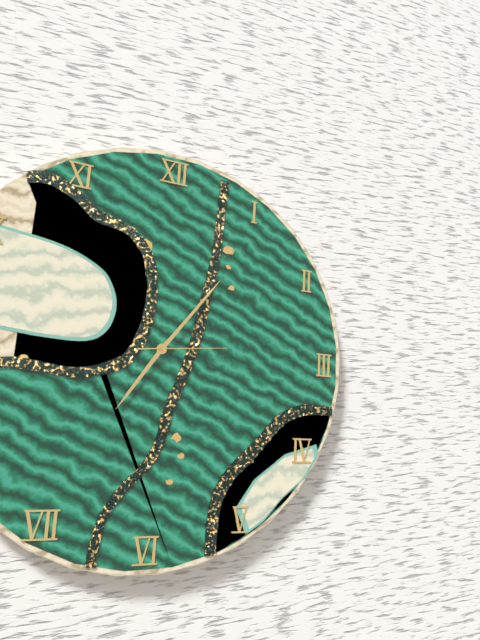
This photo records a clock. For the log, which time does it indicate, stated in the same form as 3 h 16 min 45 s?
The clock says 7 h 06 min 14 s
